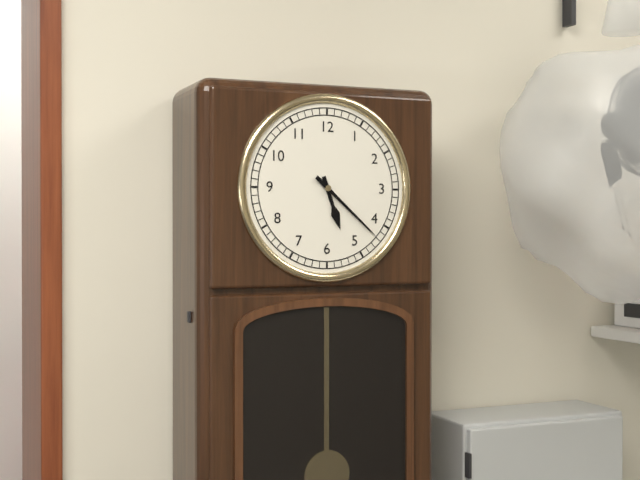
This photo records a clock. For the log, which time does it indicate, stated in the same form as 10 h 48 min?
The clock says 5 h 22 min
